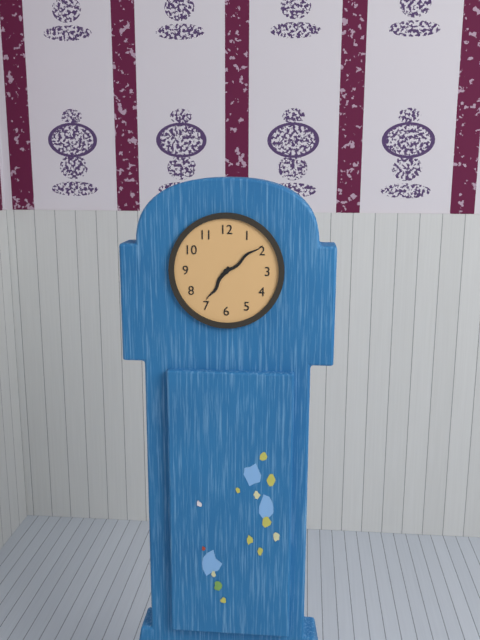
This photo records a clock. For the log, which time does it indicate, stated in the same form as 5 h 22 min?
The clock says 7 h 09 min
